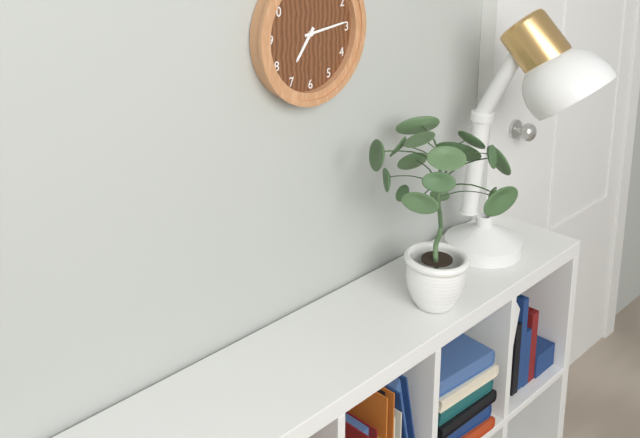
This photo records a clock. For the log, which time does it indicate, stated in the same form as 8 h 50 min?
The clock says 7 h 14 min
